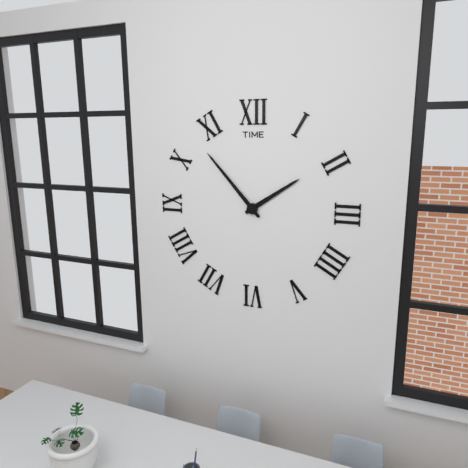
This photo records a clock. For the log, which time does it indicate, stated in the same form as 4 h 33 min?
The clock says 1 h 53 min
